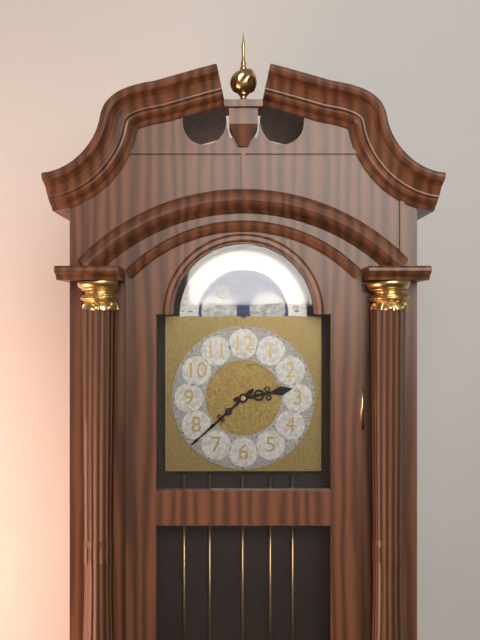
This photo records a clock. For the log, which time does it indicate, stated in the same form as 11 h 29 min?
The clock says 2 h 38 min
